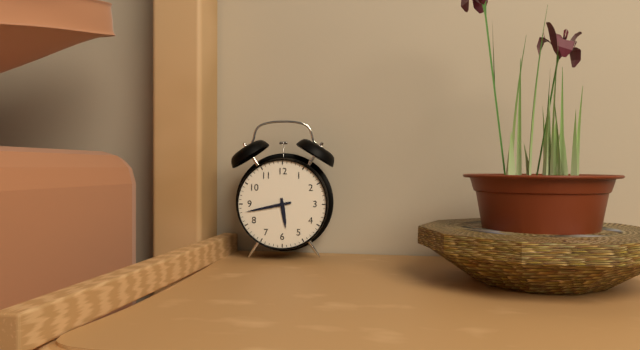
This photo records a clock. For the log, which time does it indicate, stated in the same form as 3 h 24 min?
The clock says 5 h 43 min
